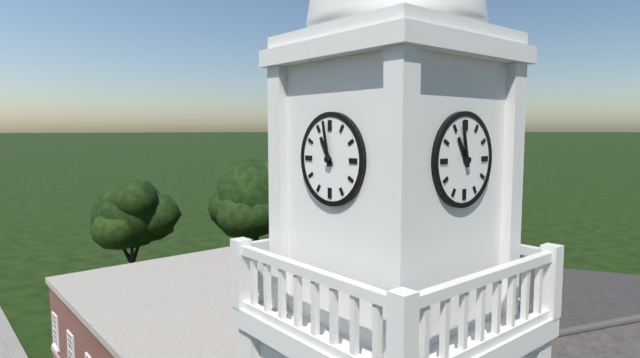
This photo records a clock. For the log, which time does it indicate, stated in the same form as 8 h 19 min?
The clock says 10 h 58 min
